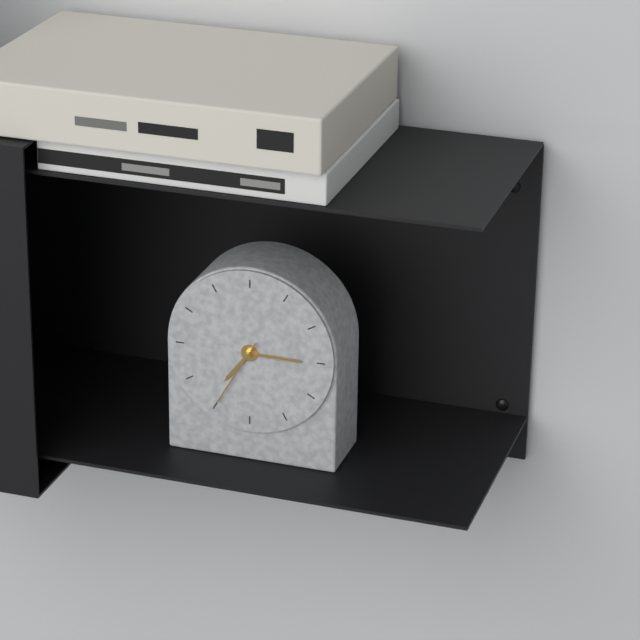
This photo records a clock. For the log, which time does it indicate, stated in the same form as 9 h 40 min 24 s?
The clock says 7 h 15 min 35 s
